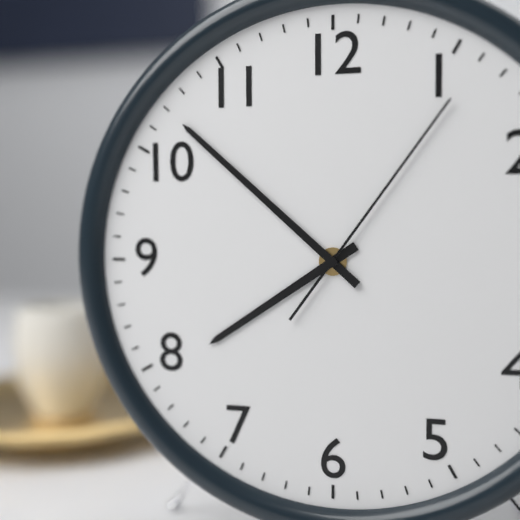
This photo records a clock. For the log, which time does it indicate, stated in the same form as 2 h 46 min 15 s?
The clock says 7 h 52 min 06 s
